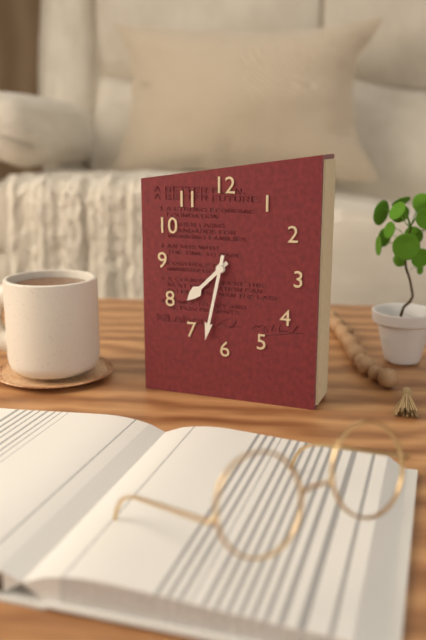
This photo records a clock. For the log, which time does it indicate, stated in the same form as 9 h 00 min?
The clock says 7 h 32 min
